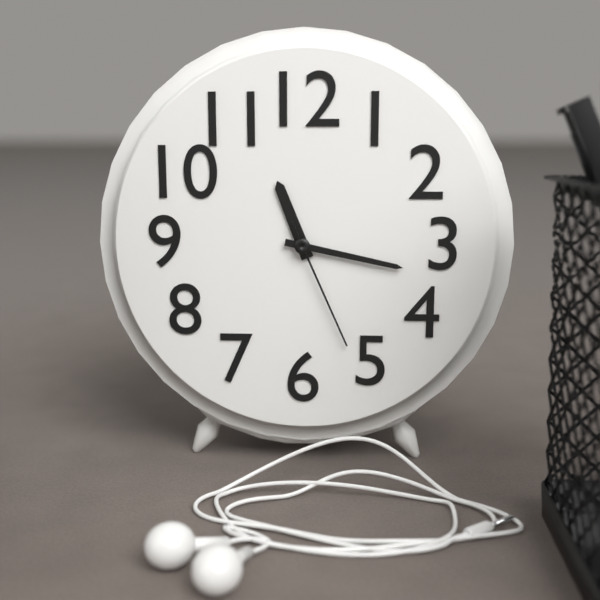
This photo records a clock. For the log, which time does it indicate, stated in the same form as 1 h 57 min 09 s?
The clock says 11 h 17 min 26 s
